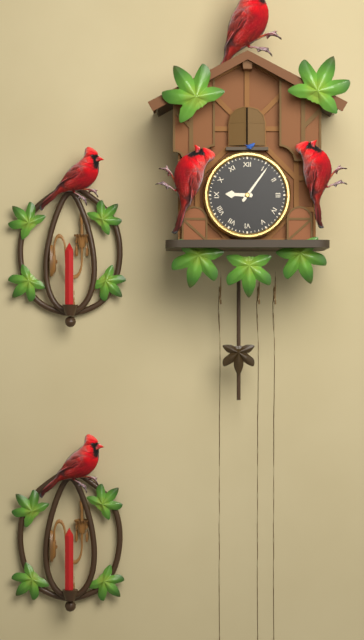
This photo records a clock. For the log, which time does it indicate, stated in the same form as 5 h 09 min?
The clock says 9 h 06 min
